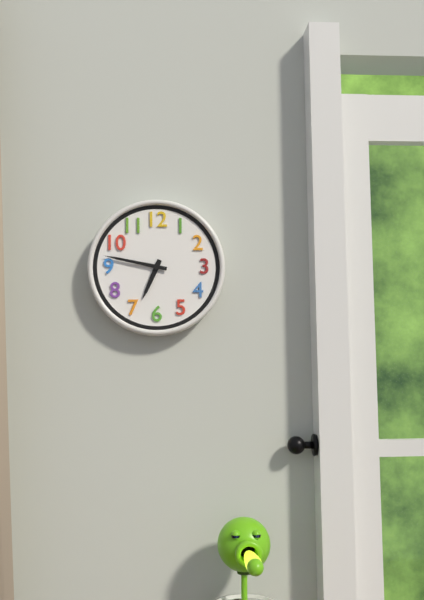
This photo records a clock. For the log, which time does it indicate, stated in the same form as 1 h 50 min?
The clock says 6 h 47 min
